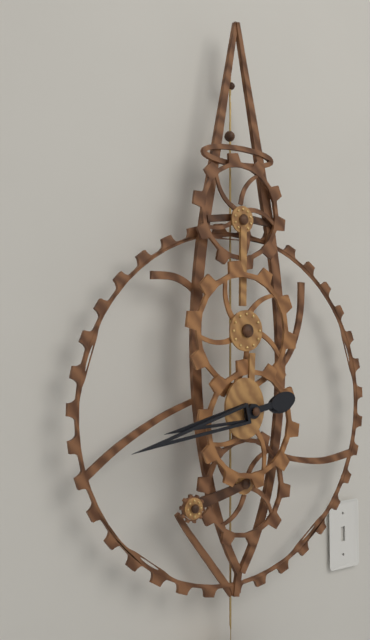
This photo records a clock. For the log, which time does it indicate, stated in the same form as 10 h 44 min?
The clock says 8 h 43 min
